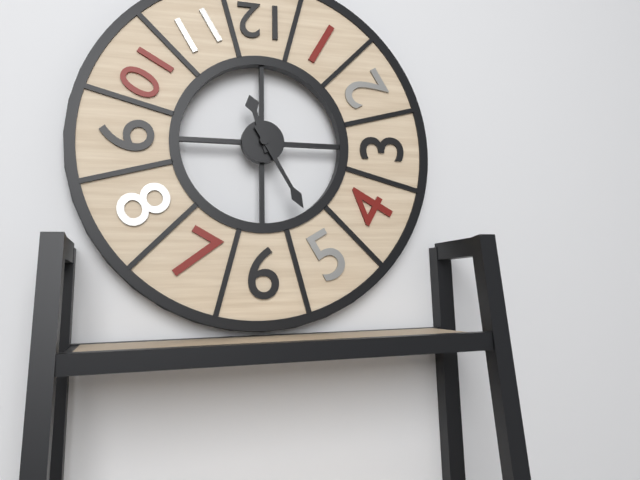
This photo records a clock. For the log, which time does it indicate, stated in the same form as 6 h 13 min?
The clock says 11 h 25 min
